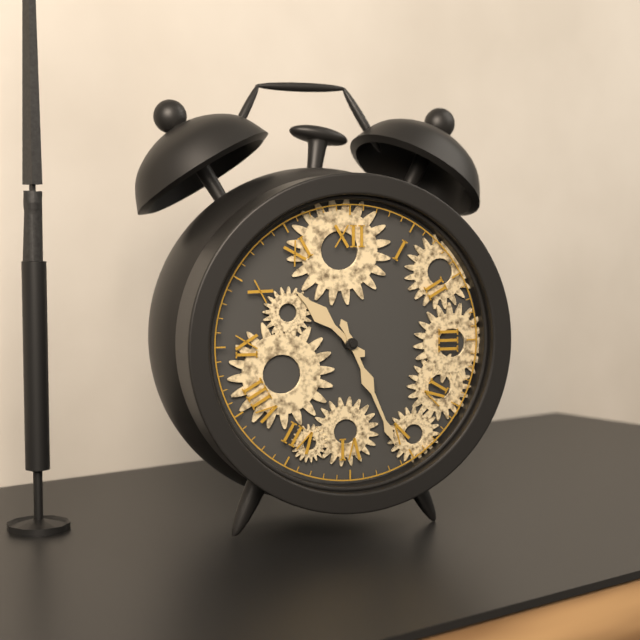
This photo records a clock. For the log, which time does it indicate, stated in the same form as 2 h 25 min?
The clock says 10 h 26 min
